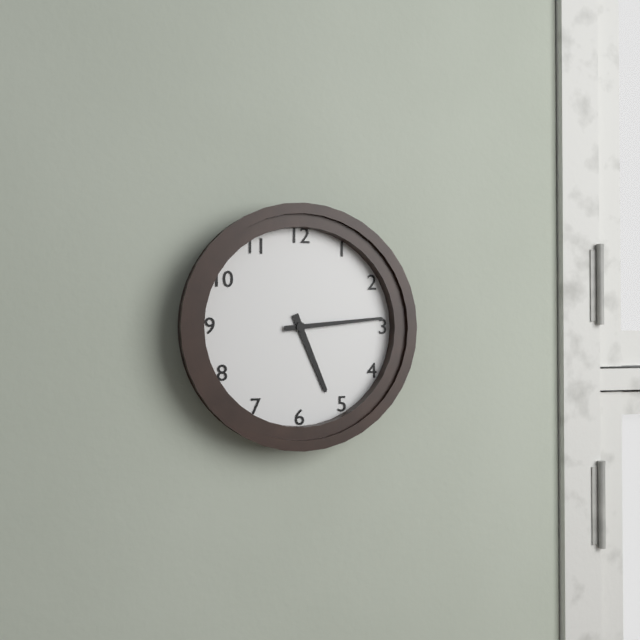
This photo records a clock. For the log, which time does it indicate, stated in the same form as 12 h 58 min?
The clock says 5 h 14 min
